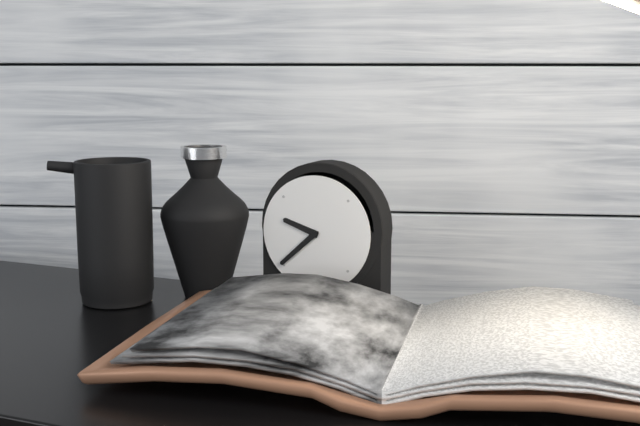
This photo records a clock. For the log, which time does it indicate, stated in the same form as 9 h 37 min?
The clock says 9 h 38 min
